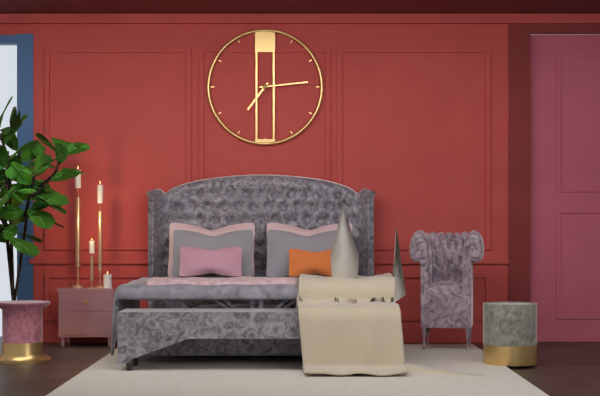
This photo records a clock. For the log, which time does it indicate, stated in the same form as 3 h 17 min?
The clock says 7 h 14 min
